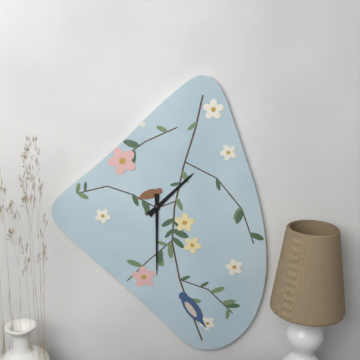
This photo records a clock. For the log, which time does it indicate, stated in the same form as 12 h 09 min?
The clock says 1 h 30 min
